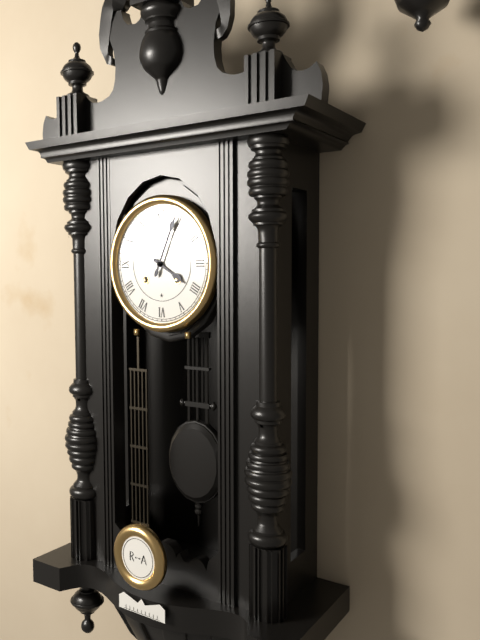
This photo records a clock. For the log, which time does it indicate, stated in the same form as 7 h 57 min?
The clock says 4 h 04 min
